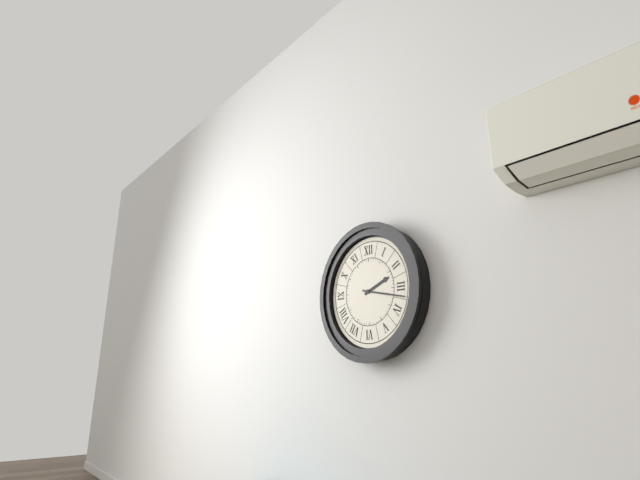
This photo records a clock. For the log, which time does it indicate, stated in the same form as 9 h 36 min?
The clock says 2 h 17 min
